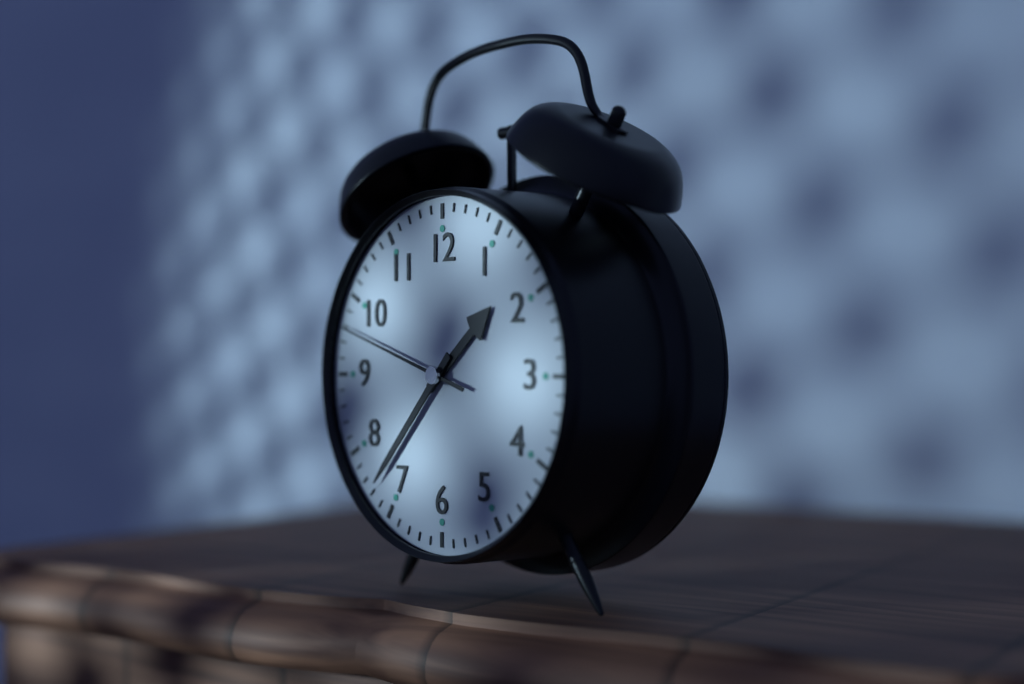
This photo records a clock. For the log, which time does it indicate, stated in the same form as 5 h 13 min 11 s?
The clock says 1 h 37 min 48 s
